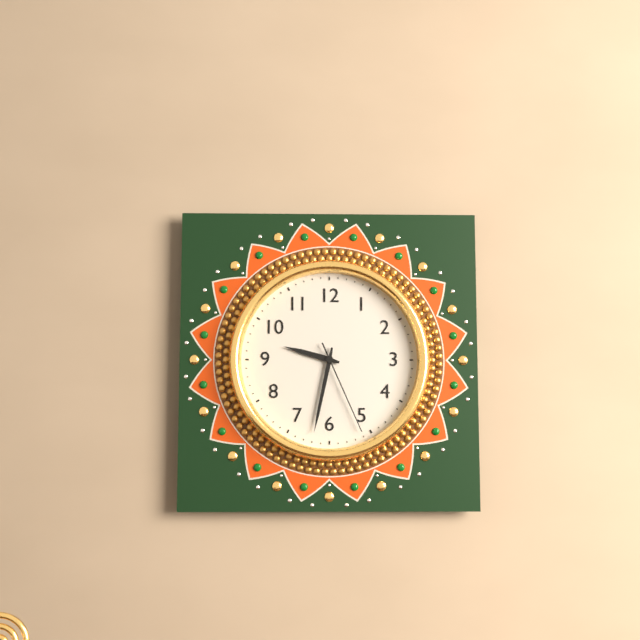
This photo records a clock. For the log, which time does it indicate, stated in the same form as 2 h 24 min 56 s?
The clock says 9 h 32 min 26 s
